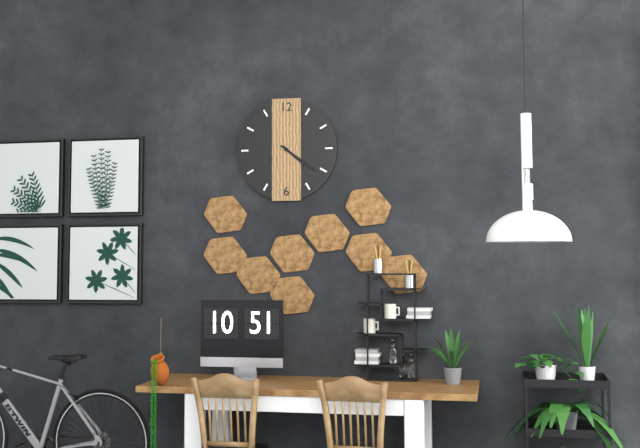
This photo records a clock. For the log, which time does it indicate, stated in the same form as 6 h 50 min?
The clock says 4 h 21 min
